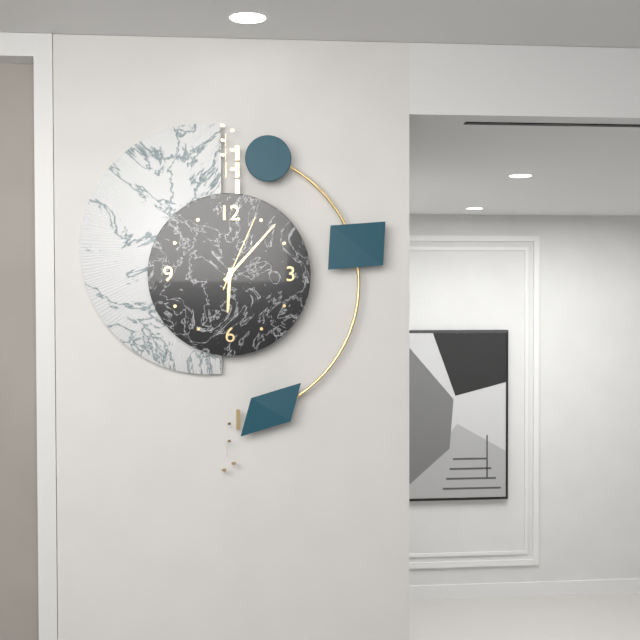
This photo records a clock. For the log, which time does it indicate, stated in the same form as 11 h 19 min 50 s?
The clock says 6 h 07 min 04 s
